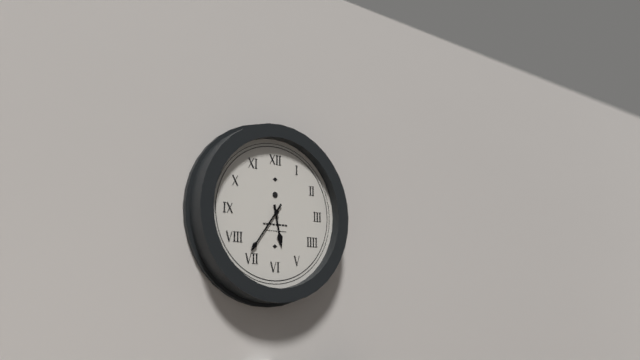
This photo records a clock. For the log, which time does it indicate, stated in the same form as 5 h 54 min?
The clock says 5 h 36 min
